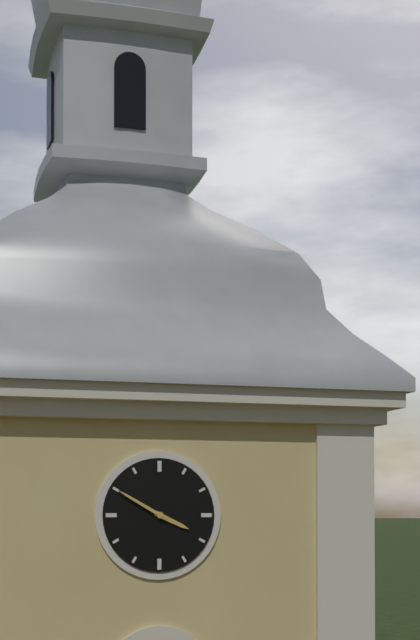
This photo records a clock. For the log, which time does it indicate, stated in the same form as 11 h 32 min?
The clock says 3 h 50 min
